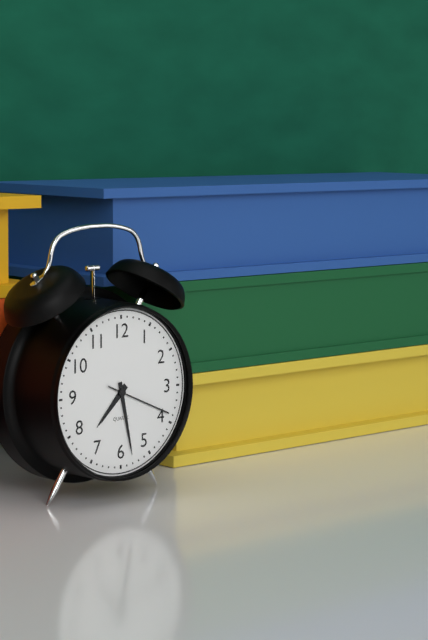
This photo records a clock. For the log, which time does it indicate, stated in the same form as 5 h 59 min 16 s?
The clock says 7 h 28 min 19 s
